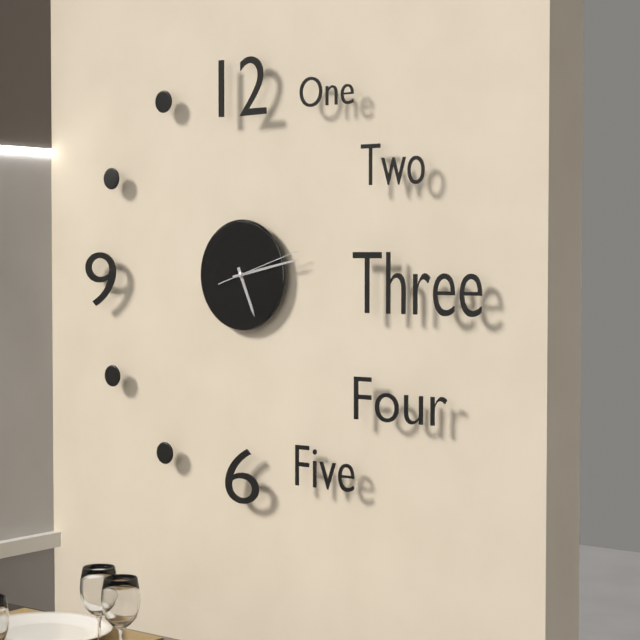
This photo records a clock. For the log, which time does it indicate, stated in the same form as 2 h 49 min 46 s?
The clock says 5 h 13 min 12 s
